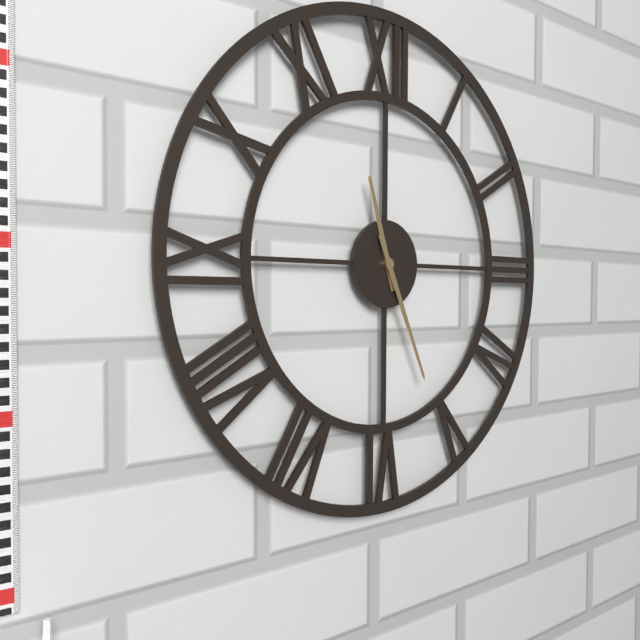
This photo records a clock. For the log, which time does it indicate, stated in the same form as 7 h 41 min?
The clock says 11 h 26 min
